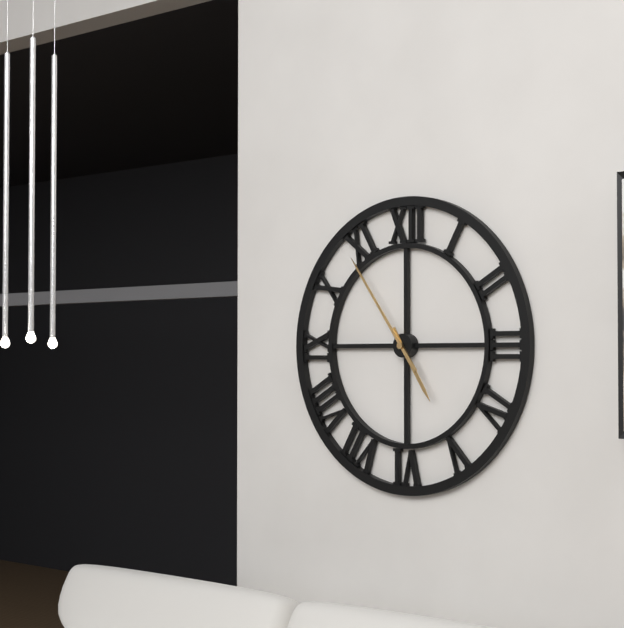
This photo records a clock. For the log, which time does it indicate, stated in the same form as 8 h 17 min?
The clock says 4 h 54 min
